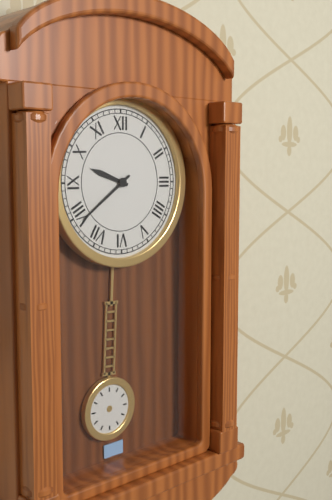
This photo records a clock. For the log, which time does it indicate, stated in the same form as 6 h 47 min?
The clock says 9 h 39 min
